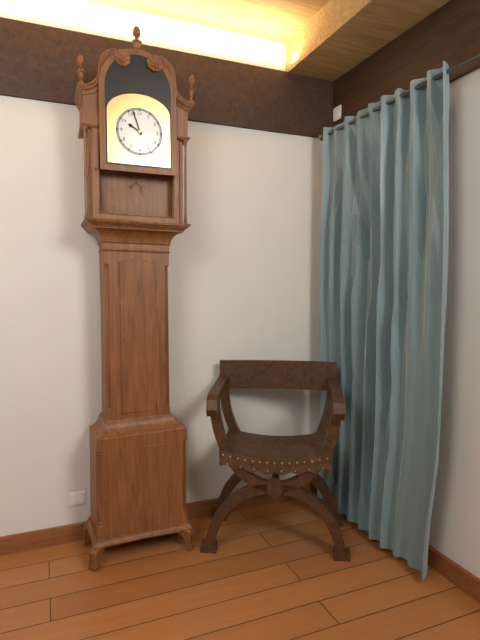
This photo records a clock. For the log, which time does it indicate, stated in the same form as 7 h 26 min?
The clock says 9 h 57 min
